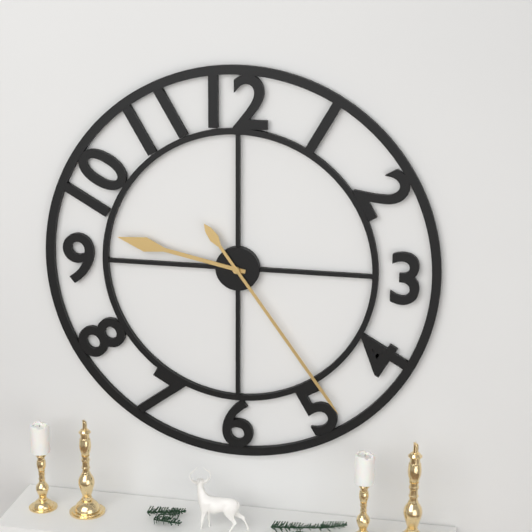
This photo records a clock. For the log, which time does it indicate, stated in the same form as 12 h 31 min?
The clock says 9 h 24 min
